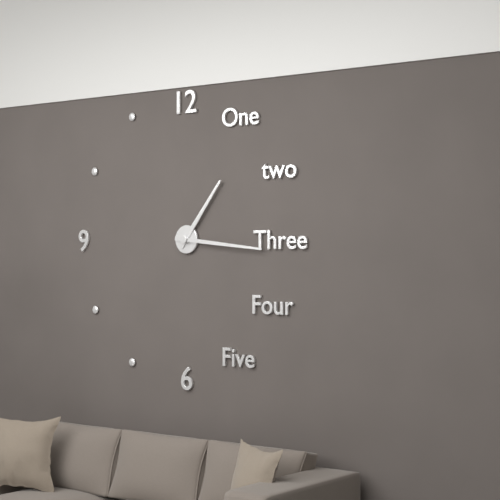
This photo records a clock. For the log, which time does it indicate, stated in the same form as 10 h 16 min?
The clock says 1 h 16 min
